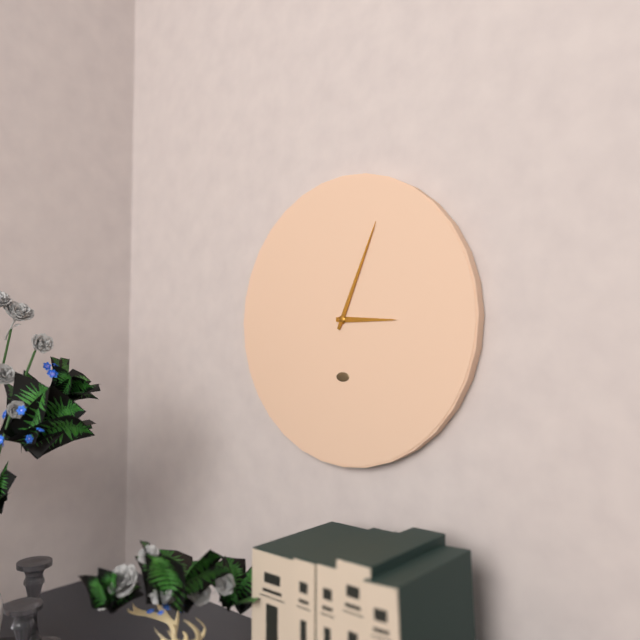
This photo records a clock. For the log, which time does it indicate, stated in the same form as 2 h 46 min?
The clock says 3 h 04 min
